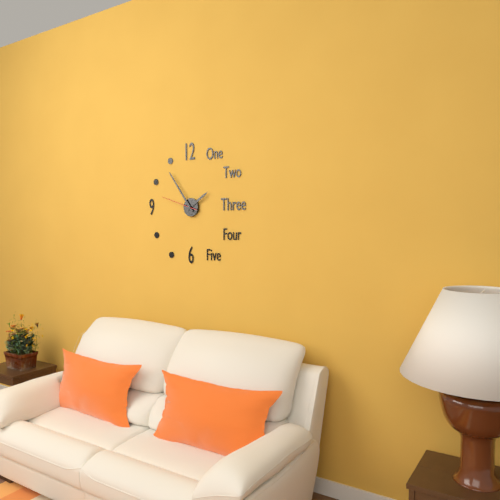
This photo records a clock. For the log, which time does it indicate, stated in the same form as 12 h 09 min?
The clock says 1 h 54 min
